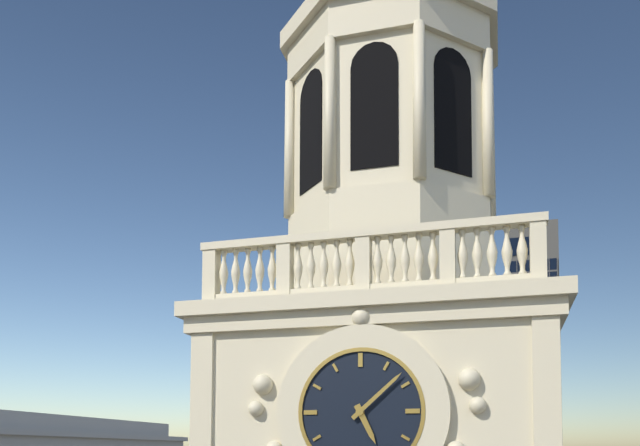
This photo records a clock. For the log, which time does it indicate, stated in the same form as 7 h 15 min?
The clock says 5 h 08 min
